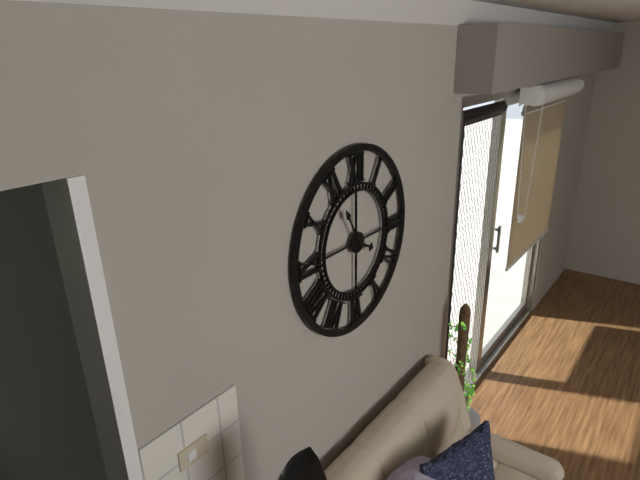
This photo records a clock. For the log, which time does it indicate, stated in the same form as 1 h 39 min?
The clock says 3 h 55 min
